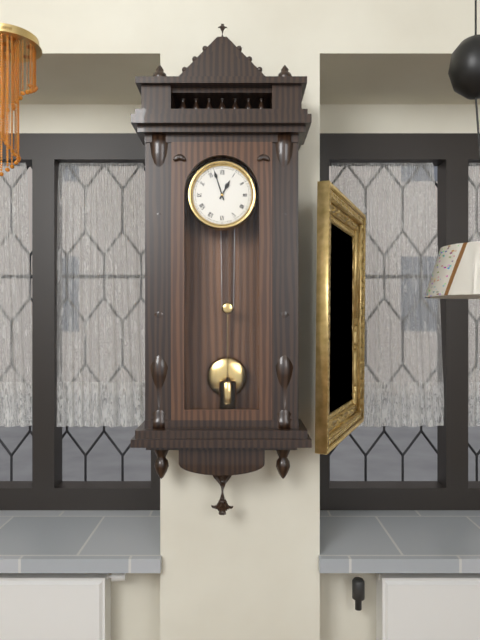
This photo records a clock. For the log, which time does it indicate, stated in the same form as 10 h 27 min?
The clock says 12 h 57 min
